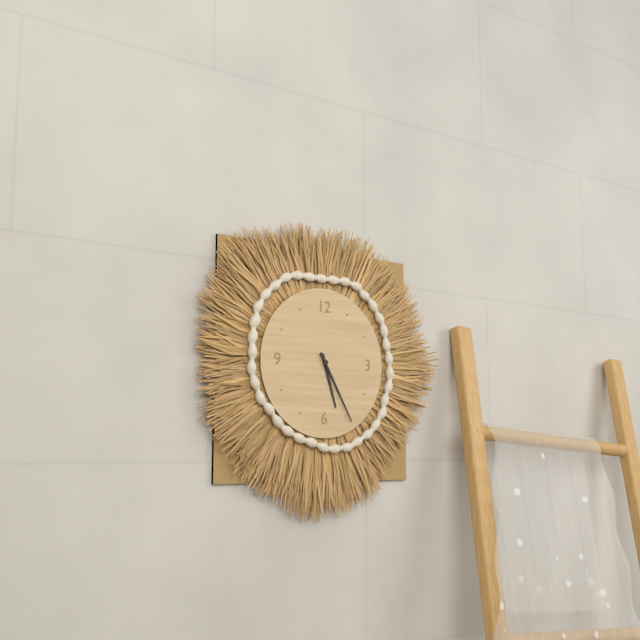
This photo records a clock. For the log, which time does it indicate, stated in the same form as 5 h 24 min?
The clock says 5 h 25 min
